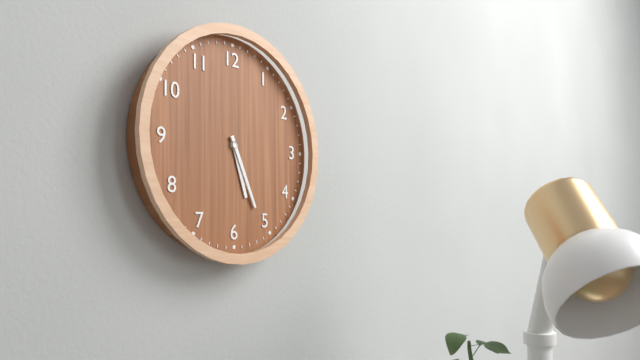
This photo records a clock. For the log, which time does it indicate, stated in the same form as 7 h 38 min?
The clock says 5 h 26 min
